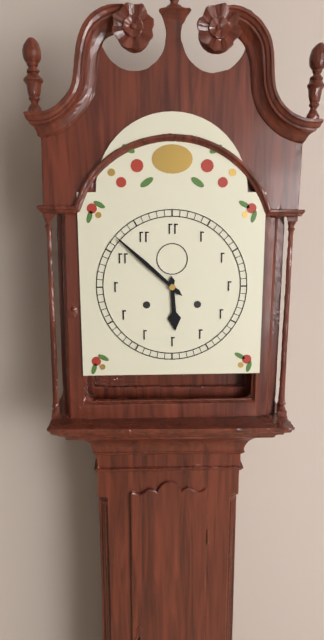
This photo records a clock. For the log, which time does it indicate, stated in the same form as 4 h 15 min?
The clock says 5 h 52 min
